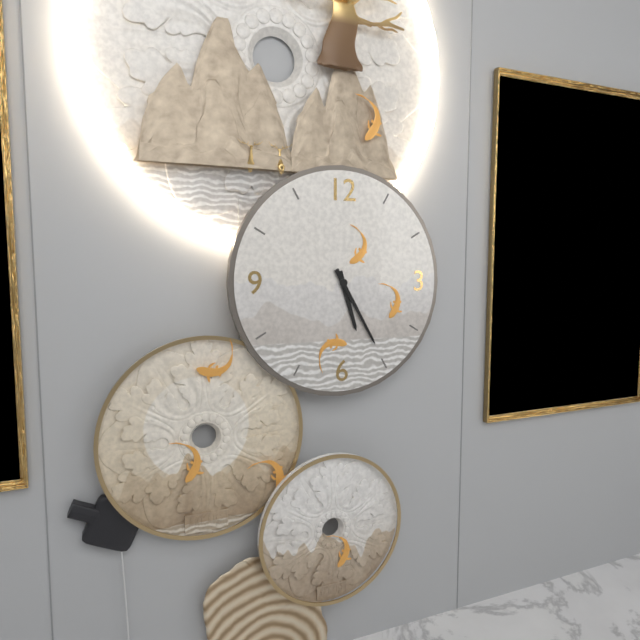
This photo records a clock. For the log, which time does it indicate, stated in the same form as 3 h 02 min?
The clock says 5 h 25 min
